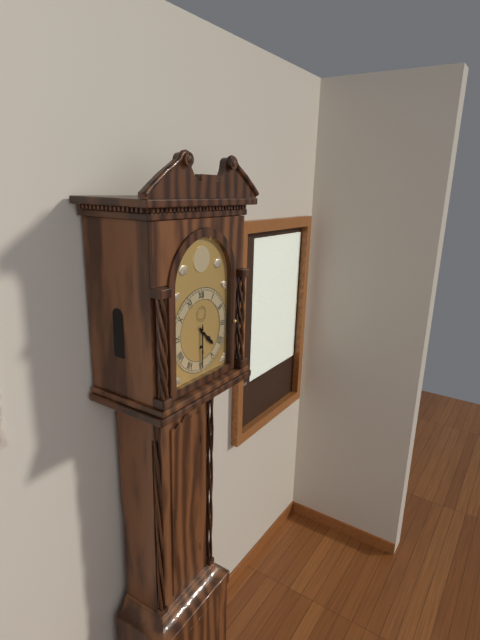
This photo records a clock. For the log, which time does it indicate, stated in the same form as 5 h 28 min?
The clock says 4 h 30 min
